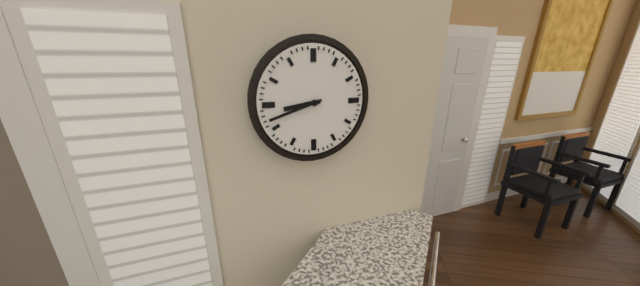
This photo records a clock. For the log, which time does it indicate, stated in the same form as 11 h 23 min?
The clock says 8 h 42 min
